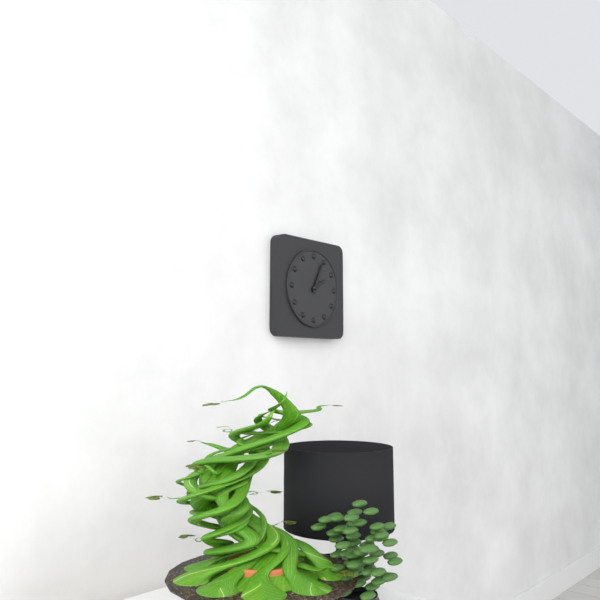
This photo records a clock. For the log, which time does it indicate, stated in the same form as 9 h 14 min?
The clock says 2 h 04 min
